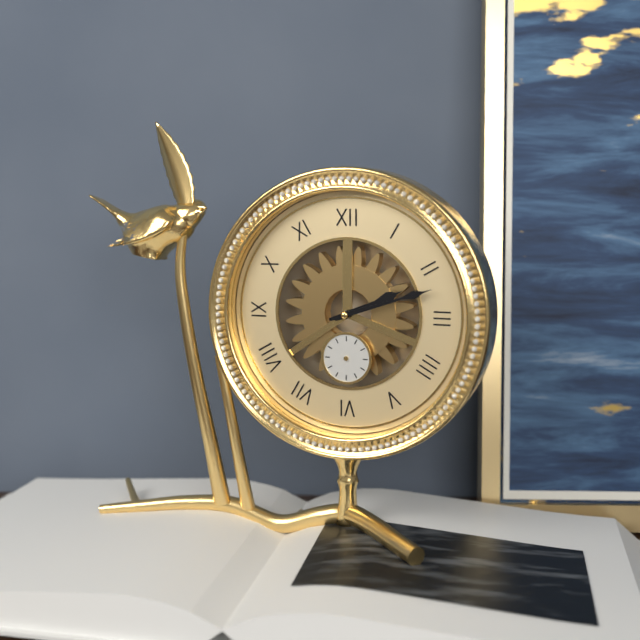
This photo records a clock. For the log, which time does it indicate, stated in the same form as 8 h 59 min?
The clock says 2 h 12 min
